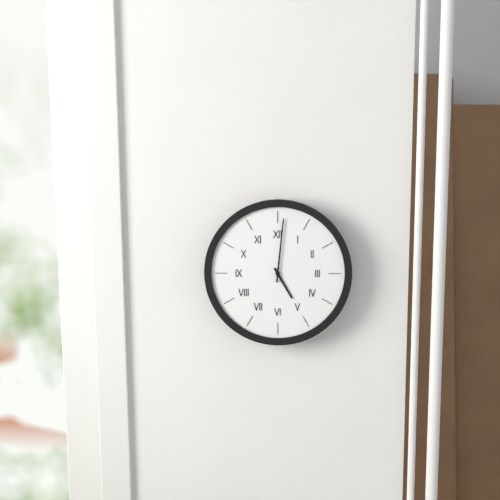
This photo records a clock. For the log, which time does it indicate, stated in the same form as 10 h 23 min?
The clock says 5 h 01 min
